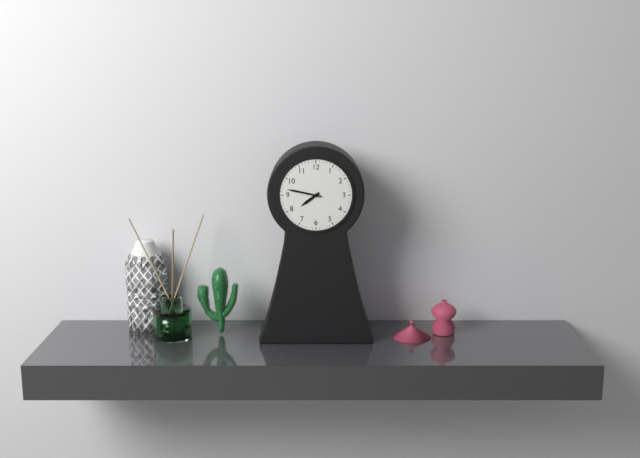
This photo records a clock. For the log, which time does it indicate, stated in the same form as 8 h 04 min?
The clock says 7 h 47 min
